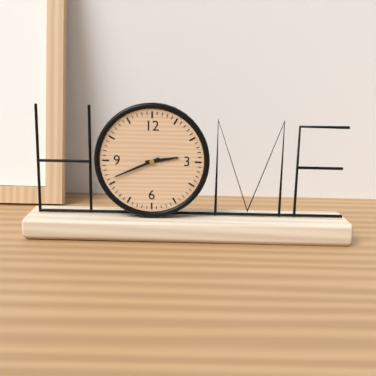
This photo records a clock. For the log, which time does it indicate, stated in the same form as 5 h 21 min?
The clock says 2 h 41 min
